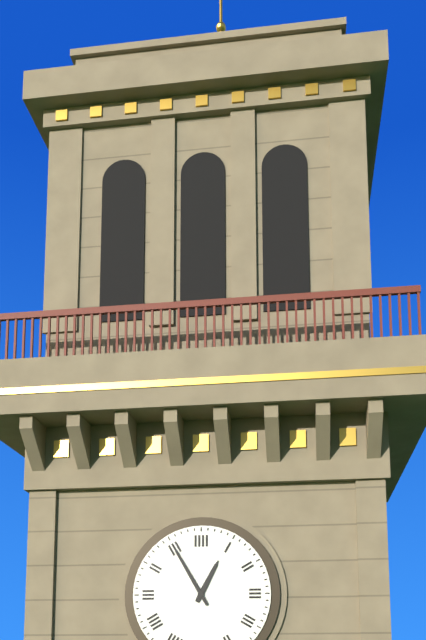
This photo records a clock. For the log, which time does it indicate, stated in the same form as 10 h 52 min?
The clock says 12 h 55 min
